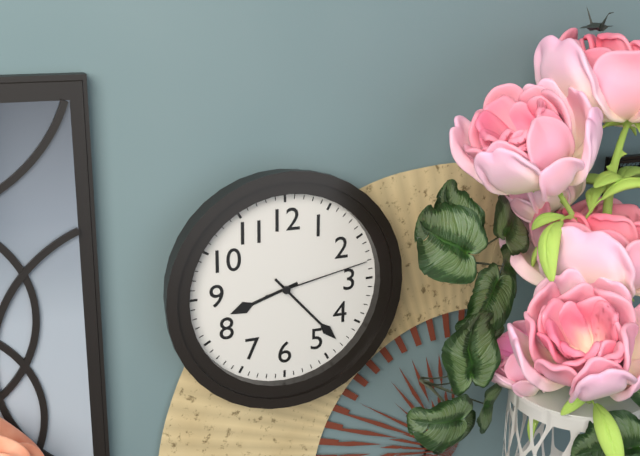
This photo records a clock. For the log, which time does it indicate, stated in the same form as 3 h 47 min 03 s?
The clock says 8 h 23 min 13 s
